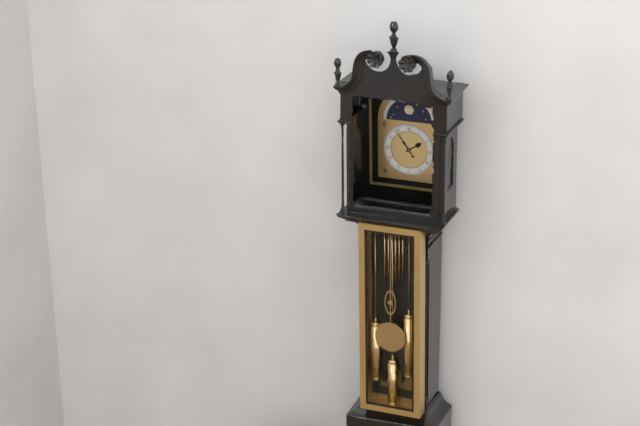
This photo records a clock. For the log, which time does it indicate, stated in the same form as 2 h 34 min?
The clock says 1 h 54 min
